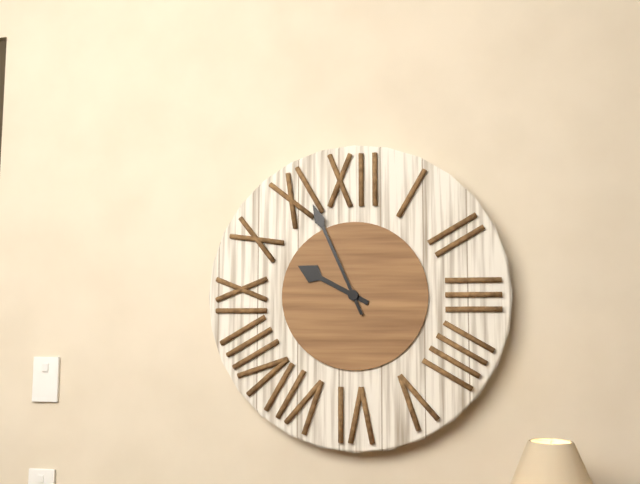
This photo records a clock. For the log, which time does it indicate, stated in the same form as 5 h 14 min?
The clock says 9 h 56 min
